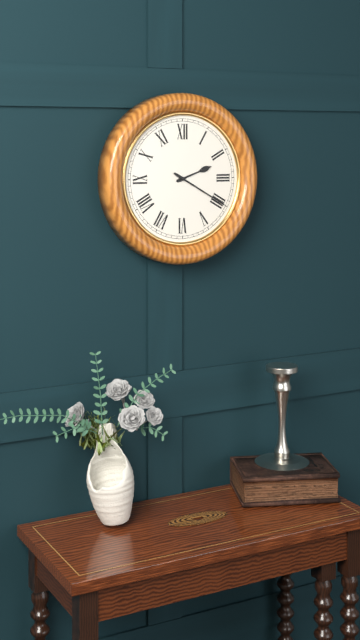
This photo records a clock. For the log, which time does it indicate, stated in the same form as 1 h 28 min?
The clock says 2 h 20 min
